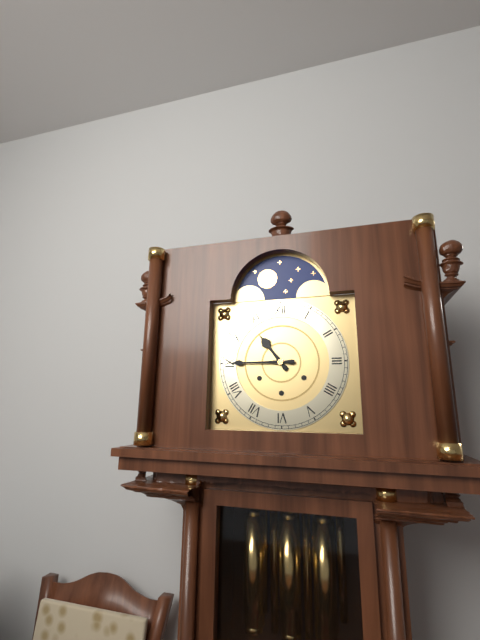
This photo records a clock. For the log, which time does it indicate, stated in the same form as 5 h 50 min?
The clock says 10 h 45 min
